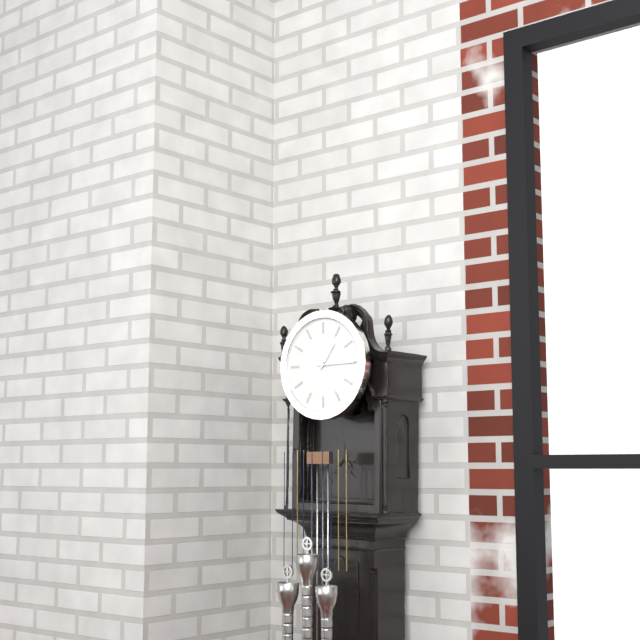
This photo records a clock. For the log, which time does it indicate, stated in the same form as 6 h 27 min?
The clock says 1 h 15 min
